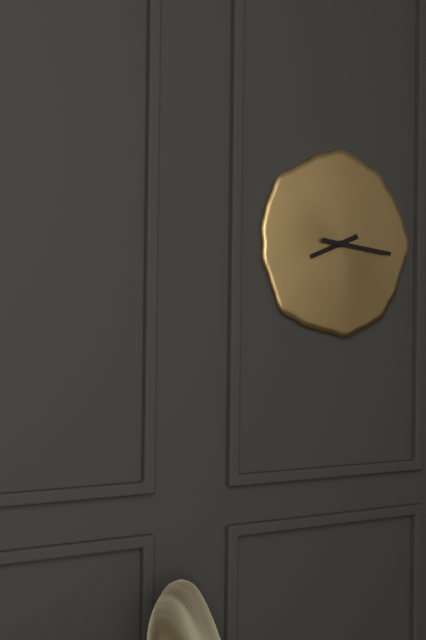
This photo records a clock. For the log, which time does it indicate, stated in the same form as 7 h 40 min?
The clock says 8 h 16 min
